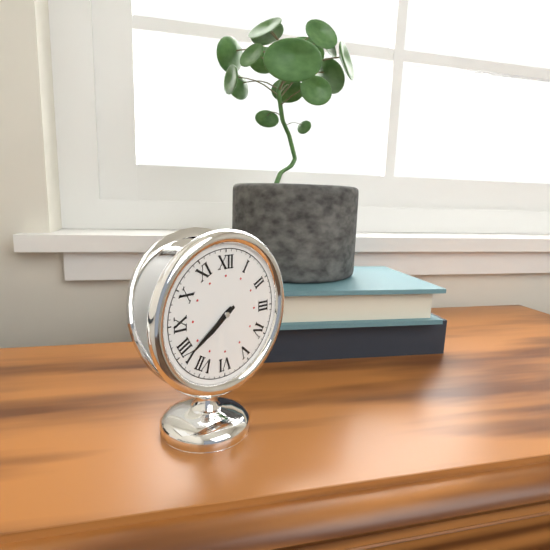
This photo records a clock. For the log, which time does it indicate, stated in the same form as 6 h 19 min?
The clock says 7 h 39 min
